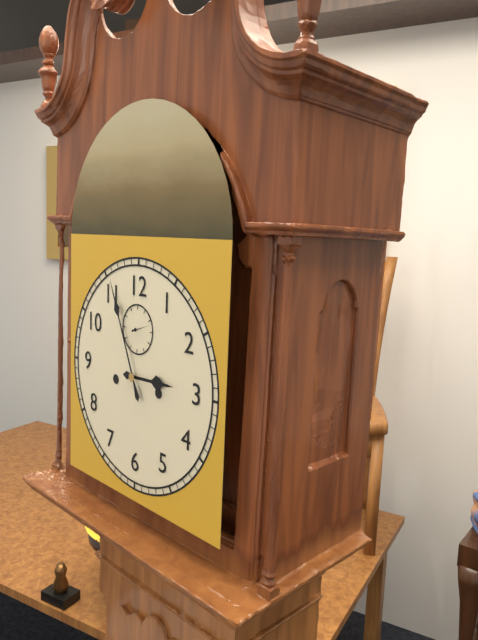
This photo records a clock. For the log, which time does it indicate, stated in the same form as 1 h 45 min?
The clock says 2 h 56 min
